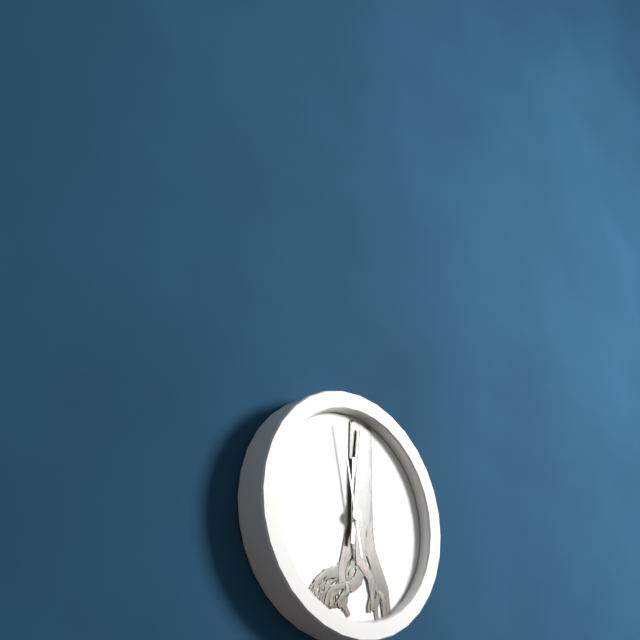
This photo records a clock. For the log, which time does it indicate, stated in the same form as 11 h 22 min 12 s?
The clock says 12 h 01 min 58 s
